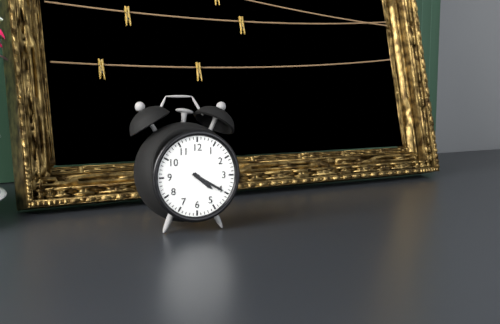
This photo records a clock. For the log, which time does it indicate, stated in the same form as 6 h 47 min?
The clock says 4 h 20 min
